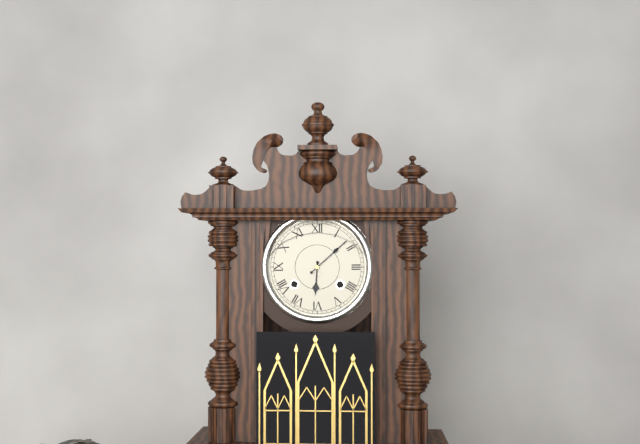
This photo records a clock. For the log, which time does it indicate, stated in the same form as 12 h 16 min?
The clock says 6 h 08 min
